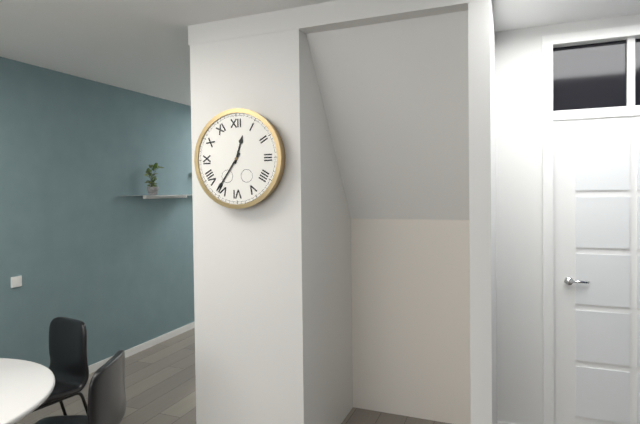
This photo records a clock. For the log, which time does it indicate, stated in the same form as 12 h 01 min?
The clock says 12 h 36 min
